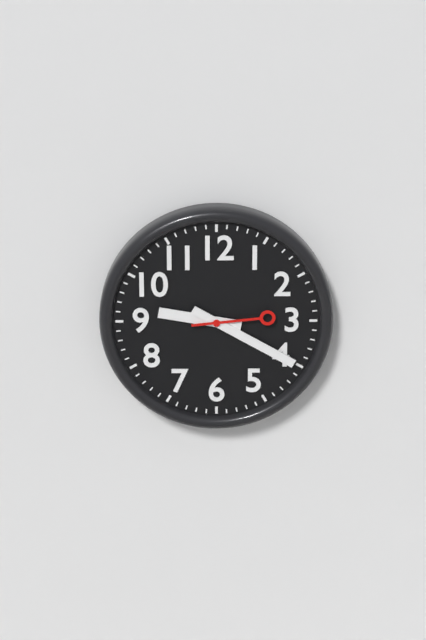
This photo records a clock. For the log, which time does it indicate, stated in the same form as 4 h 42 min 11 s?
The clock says 9 h 20 min 14 s
